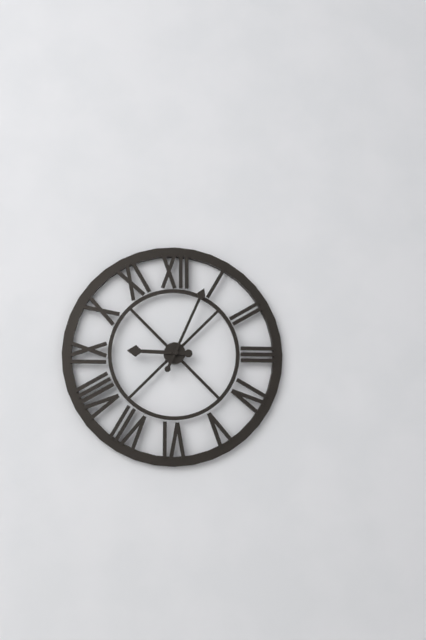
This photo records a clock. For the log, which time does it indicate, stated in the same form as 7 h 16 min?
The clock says 9 h 04 min
